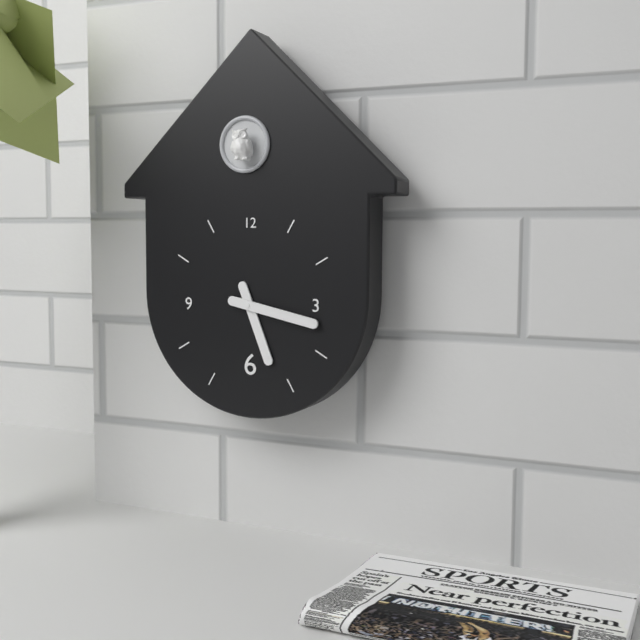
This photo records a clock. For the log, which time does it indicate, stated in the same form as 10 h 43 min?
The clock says 5 h 17 min
